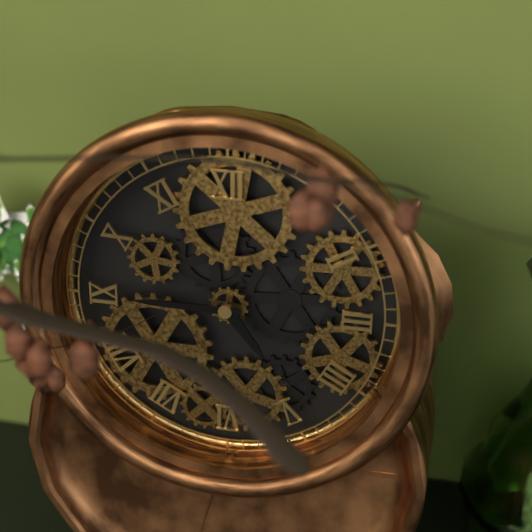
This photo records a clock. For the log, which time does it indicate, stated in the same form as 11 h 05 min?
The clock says 4 h 45 min
